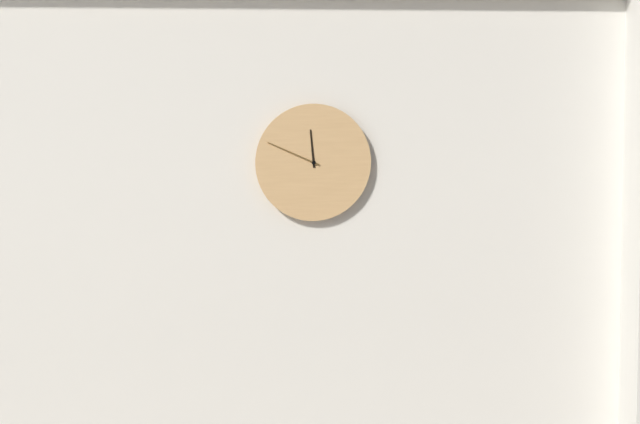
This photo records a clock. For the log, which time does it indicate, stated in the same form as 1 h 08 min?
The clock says 11 h 49 min
